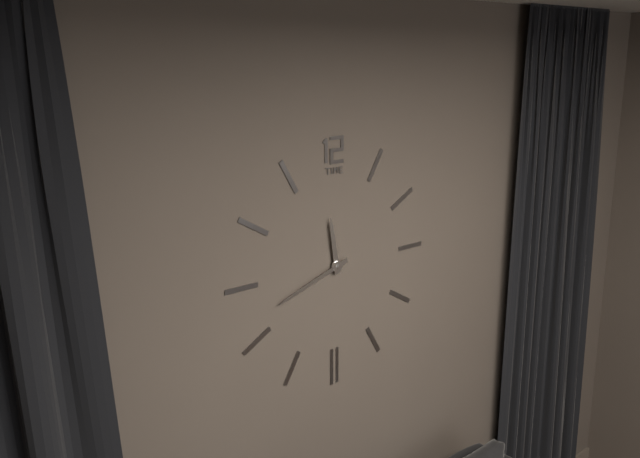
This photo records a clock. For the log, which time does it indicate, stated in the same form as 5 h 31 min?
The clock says 11 h 42 min
